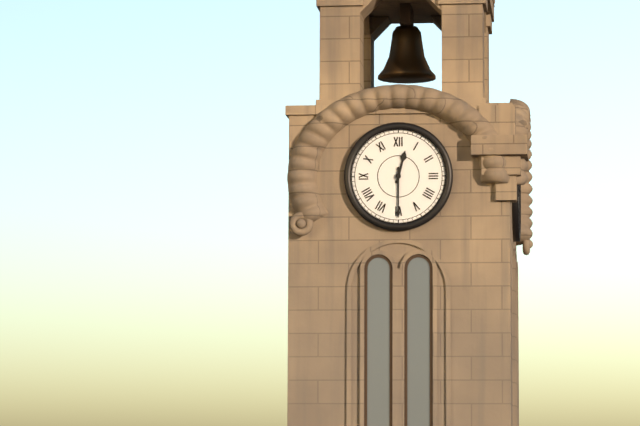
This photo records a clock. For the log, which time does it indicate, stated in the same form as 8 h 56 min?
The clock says 12 h 30 min
